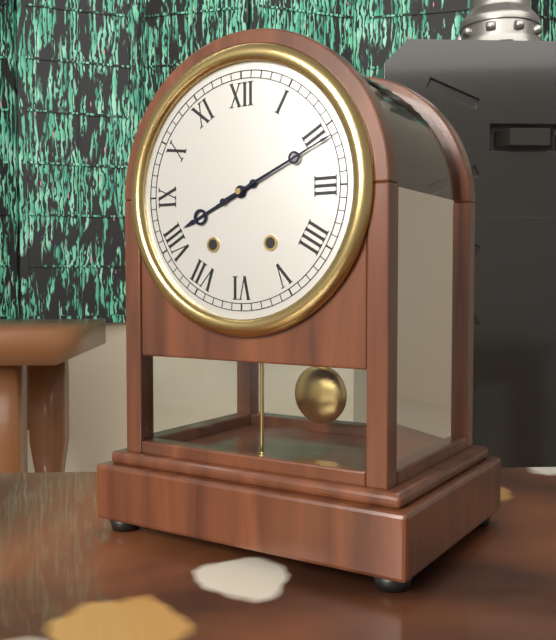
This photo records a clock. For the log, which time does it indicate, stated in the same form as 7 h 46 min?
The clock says 8 h 11 min
